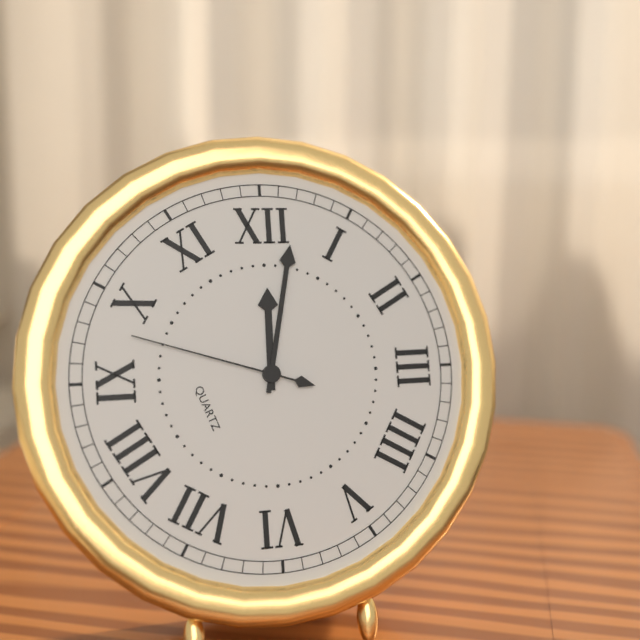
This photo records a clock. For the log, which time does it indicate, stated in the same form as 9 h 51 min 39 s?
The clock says 12 h 02 min 48 s
